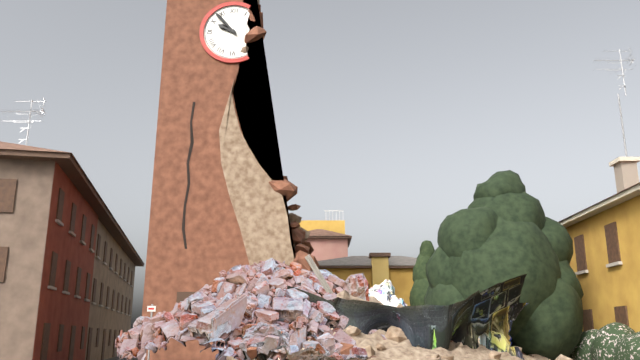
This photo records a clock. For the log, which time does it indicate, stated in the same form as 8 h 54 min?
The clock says 9 h 53 min
